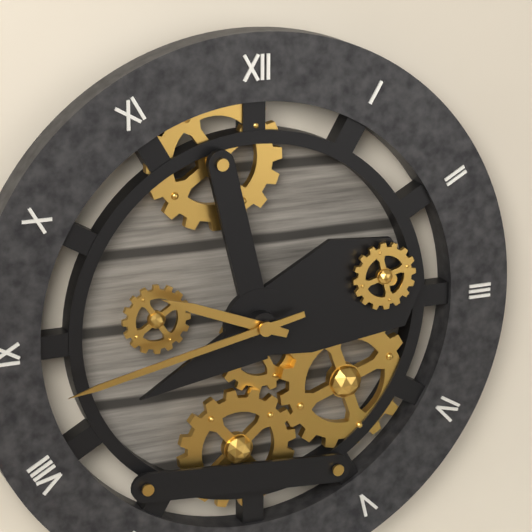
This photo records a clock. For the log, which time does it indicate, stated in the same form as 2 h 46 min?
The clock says 9 h 43 min
